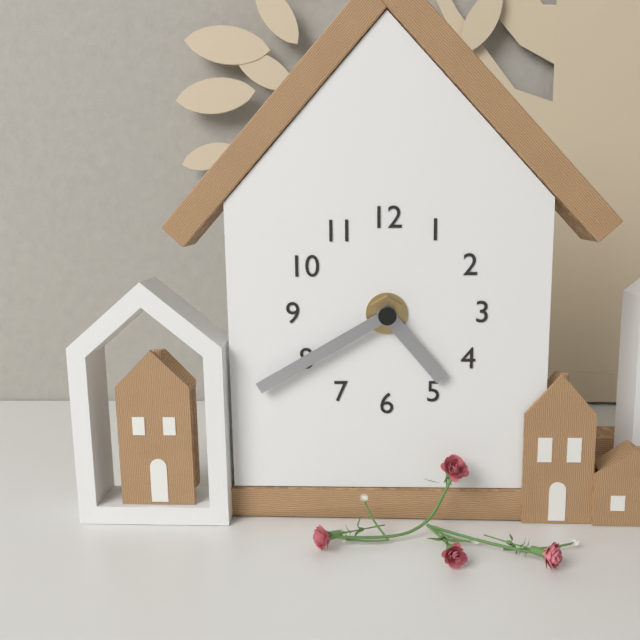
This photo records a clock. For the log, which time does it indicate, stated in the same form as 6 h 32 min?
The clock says 4 h 40 min
